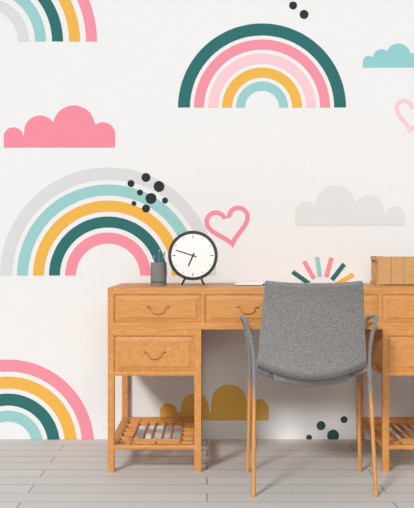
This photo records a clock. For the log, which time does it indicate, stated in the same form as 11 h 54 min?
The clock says 6 h 48 min
